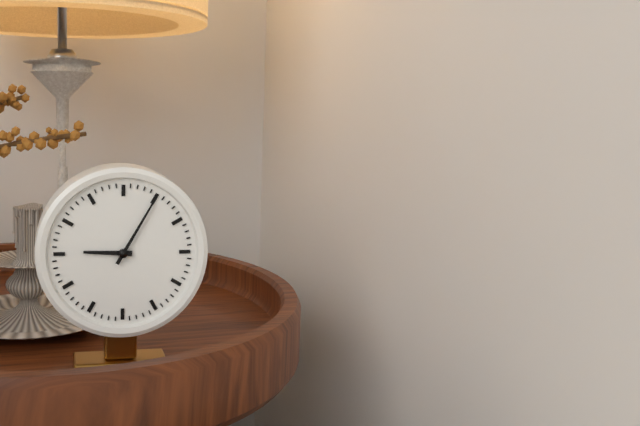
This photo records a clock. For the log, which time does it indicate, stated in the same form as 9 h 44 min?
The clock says 9 h 05 min
